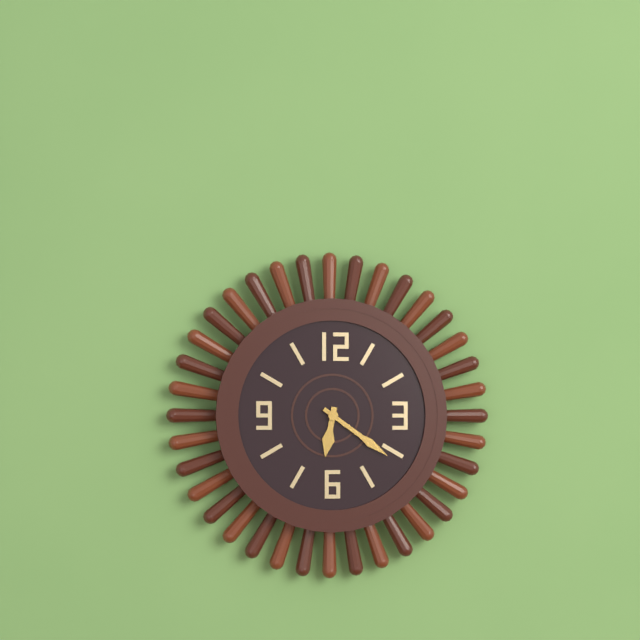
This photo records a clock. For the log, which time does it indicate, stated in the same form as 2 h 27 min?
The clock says 6 h 21 min
